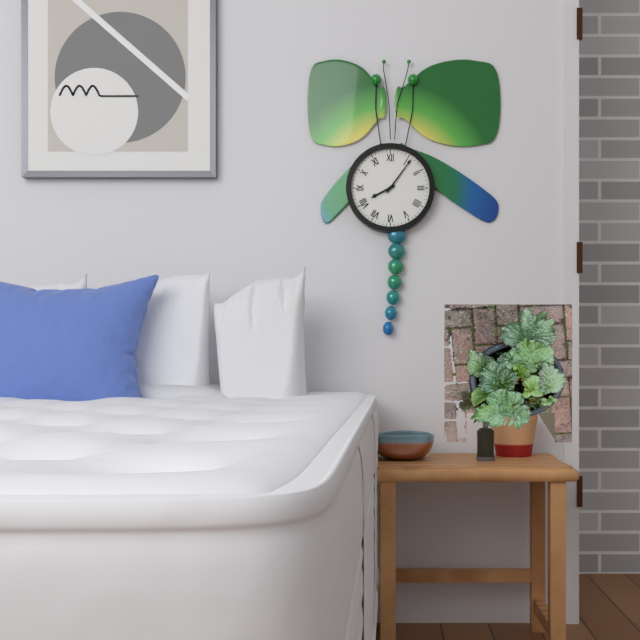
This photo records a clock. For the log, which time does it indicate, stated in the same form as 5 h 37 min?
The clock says 8 h 06 min
